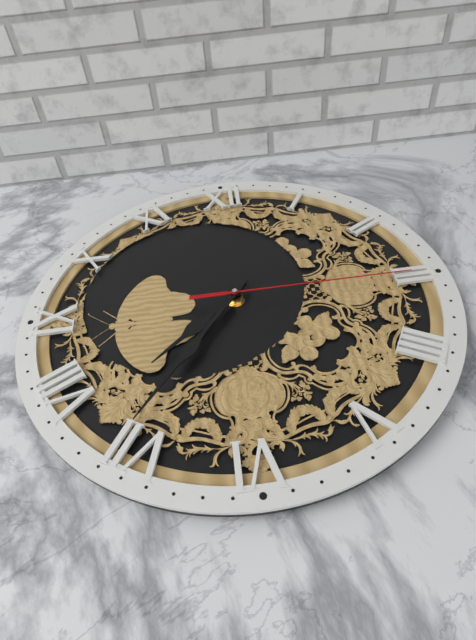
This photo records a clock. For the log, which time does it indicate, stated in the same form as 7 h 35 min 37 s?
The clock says 7 h 36 min 15 s
